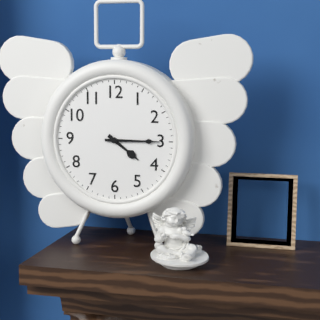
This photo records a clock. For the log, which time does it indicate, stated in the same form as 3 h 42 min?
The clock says 4 h 15 min
